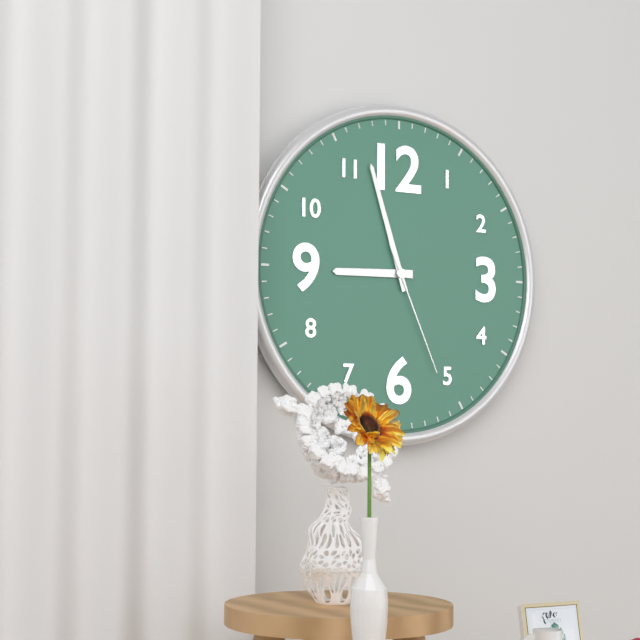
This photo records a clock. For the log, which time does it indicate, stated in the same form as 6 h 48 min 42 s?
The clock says 8 h 57 min 26 s
